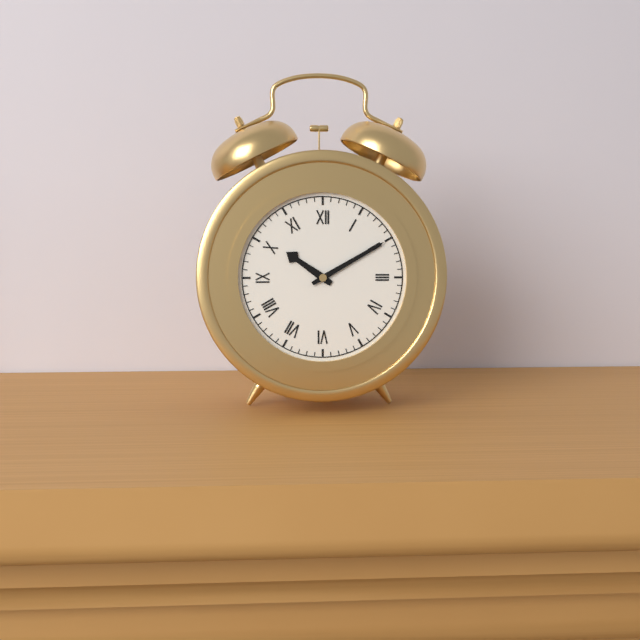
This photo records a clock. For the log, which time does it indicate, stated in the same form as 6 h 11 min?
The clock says 10 h 10 min
